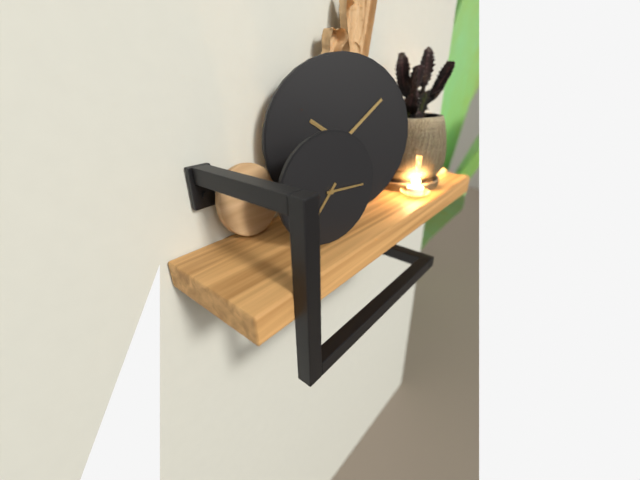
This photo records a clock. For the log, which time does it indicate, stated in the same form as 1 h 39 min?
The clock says 7 h 15 min
